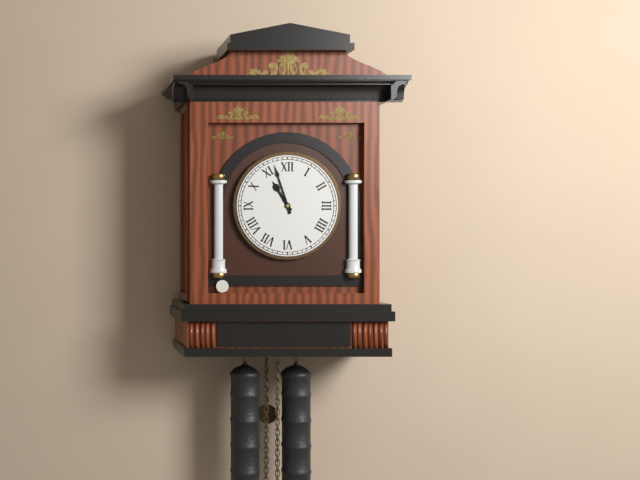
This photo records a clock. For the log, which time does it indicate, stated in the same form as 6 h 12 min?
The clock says 10 h 57 min
